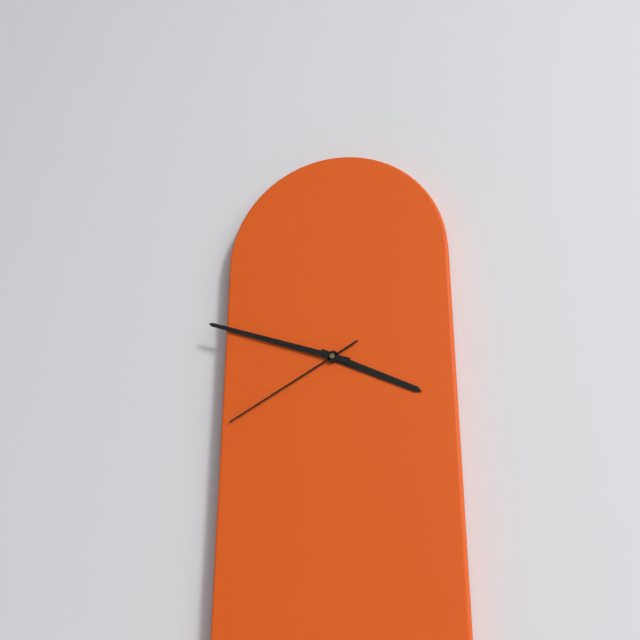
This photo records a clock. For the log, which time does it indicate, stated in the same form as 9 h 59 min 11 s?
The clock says 3 h 48 min 40 s
